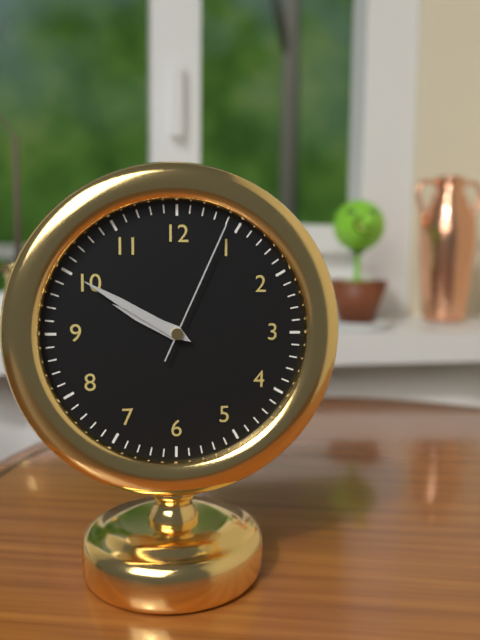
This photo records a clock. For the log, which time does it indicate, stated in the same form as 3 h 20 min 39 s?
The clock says 9 h 50 min 04 s
